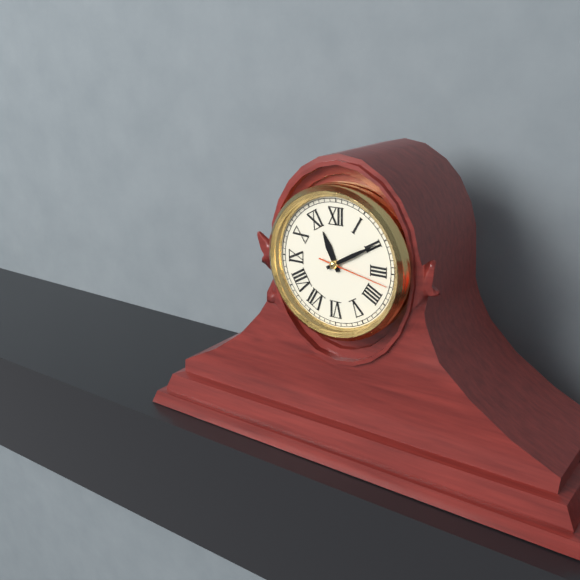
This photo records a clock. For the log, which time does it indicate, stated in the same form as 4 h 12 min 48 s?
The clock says 11 h 10 min 17 s
